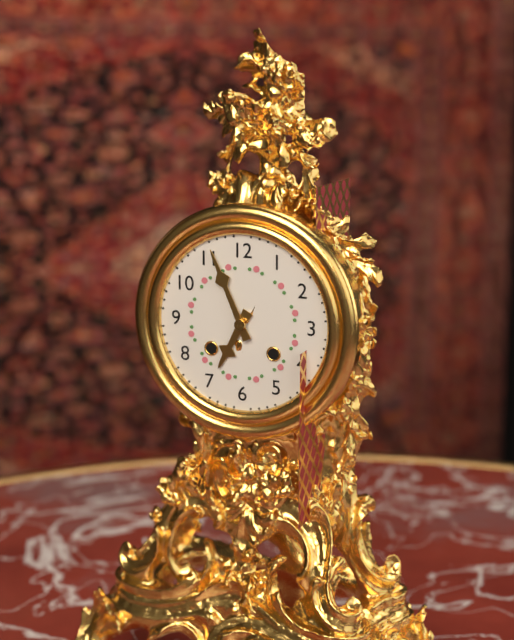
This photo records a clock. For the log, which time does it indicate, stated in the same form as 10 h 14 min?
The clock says 6 h 56 min
